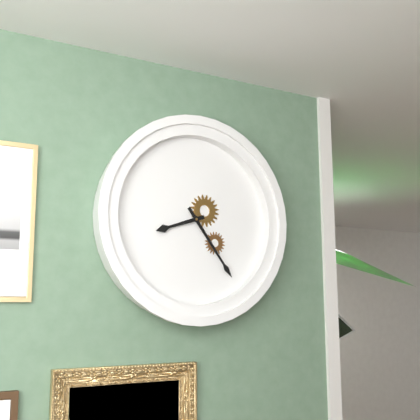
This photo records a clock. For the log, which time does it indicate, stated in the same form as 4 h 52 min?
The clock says 8 h 24 min
